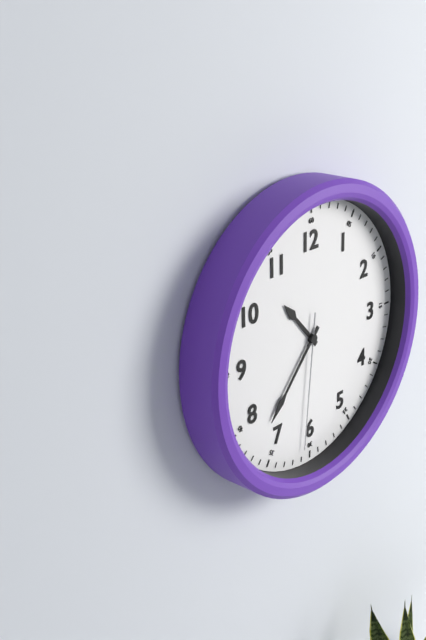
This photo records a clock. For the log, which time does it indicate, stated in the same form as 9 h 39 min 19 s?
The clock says 10 h 37 min 31 s
